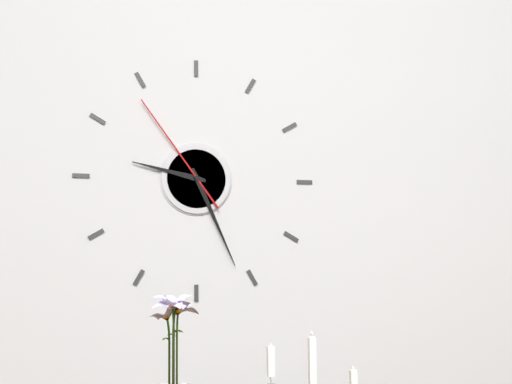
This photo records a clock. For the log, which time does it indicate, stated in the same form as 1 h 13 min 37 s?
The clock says 9 h 26 min 54 s
